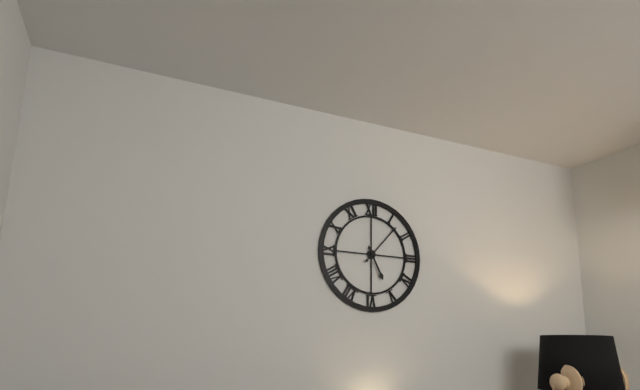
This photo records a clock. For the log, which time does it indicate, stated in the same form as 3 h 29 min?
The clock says 5 h 07 min
